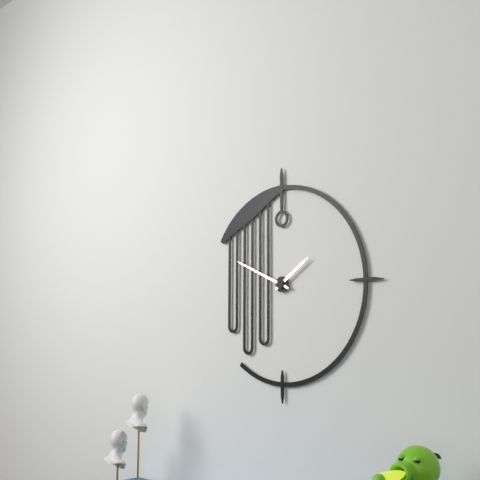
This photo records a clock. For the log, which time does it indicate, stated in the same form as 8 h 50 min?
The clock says 1 h 49 min
